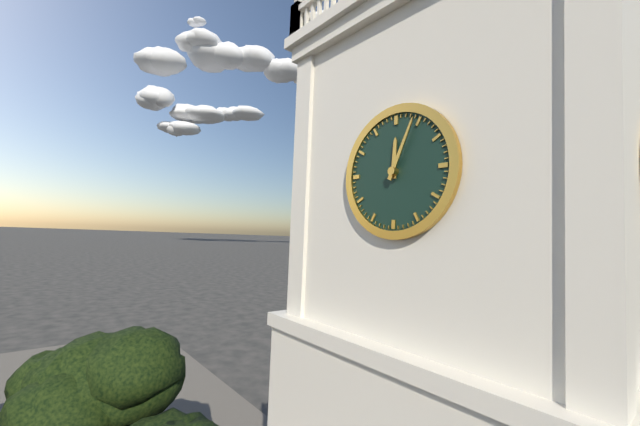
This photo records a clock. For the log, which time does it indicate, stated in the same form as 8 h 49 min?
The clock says 12 h 04 min
